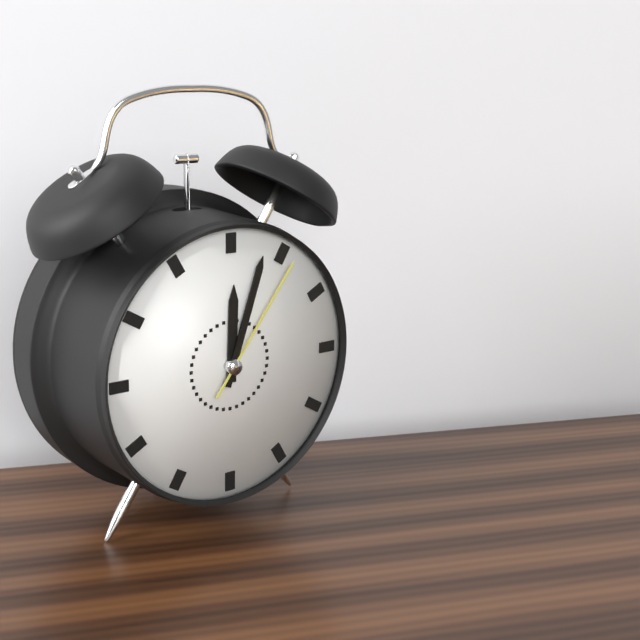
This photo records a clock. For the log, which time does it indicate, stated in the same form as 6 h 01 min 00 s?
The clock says 12 h 03 min 06 s
